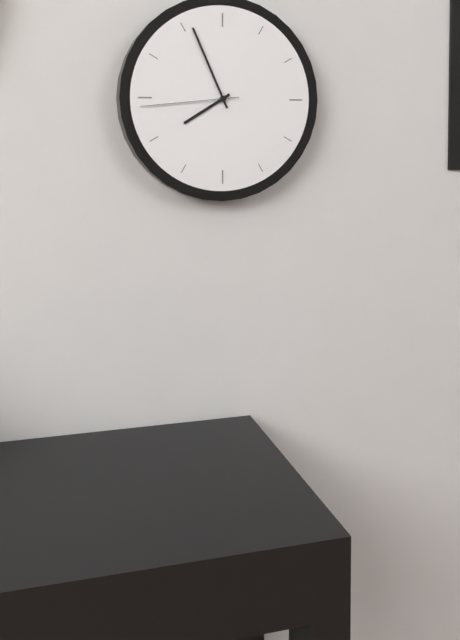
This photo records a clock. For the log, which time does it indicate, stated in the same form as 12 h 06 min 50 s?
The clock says 7 h 56 min 44 s
